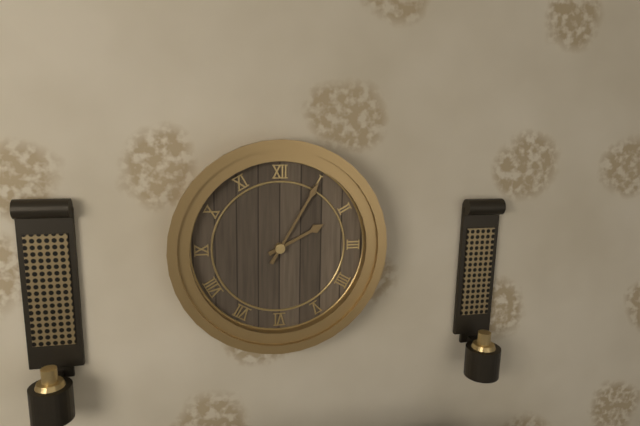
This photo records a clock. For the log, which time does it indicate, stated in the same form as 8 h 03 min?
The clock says 2 h 05 min
